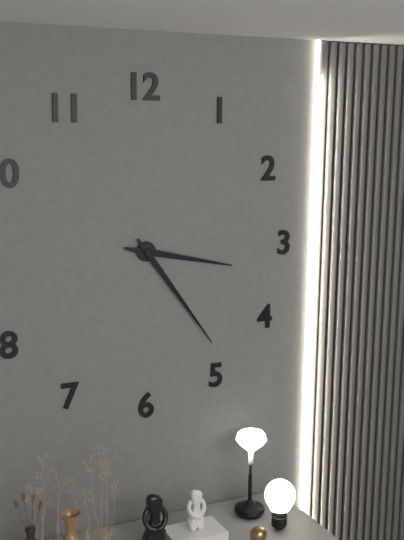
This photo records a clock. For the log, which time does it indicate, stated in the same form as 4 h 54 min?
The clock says 3 h 24 min
